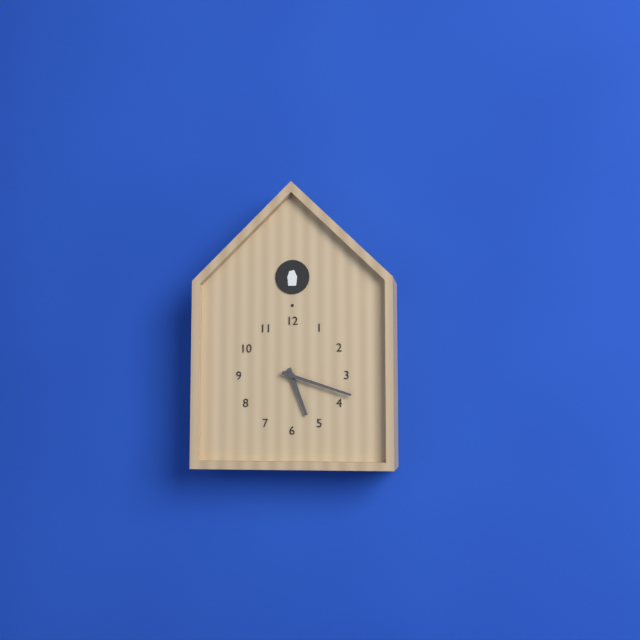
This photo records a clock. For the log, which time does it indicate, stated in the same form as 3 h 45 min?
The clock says 5 h 18 min
